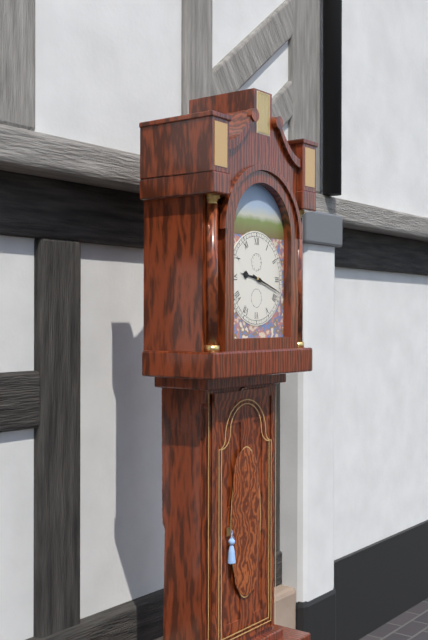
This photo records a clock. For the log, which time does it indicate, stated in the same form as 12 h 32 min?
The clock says 9 h 18 min
